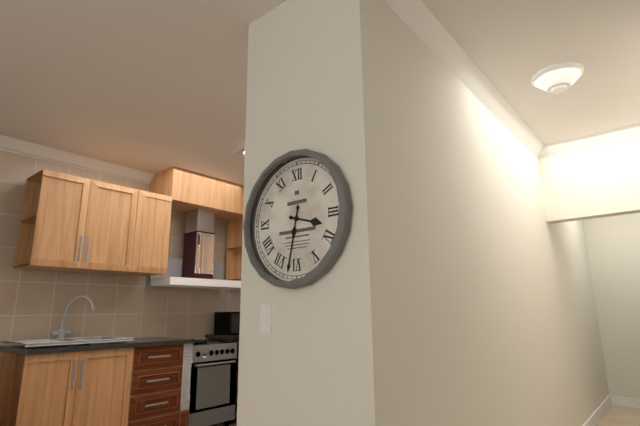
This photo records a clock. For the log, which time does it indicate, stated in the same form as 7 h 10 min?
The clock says 3 h 32 min
